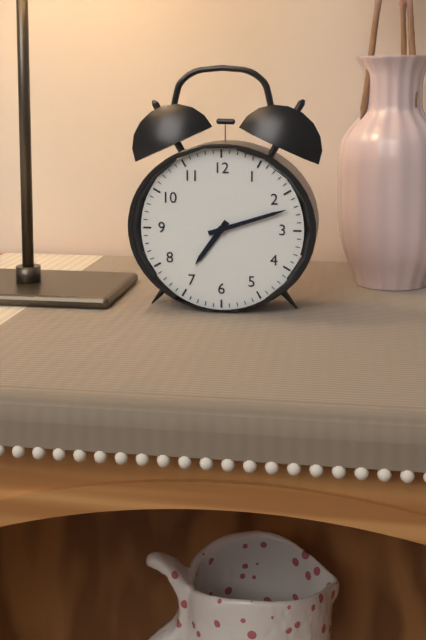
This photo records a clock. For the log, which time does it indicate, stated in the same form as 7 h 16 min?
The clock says 7 h 12 min
